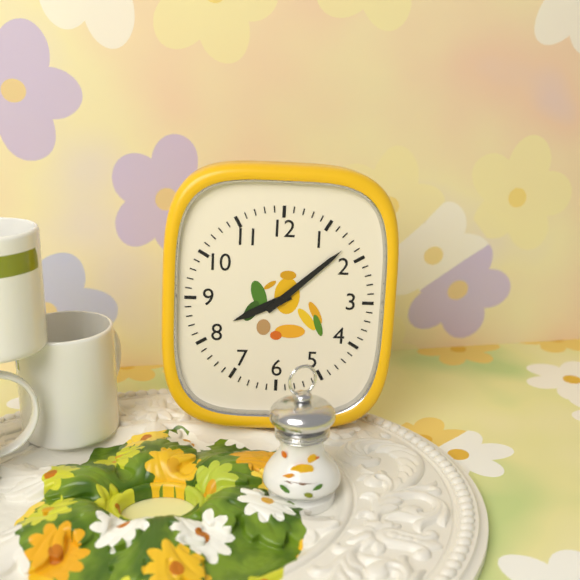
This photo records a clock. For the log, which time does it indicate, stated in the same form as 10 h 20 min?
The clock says 8 h 08 min
